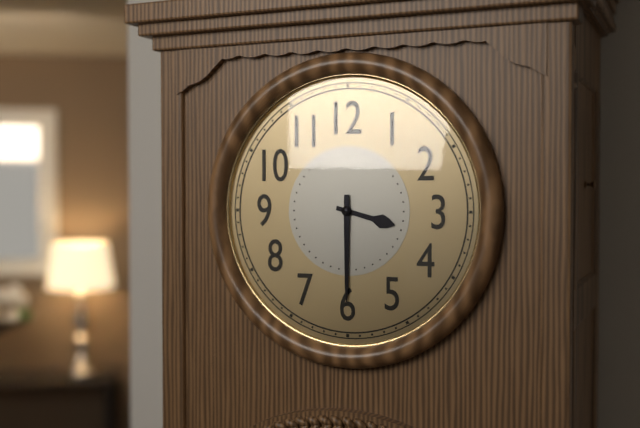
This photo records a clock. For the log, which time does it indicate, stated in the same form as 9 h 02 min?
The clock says 3 h 30 min
